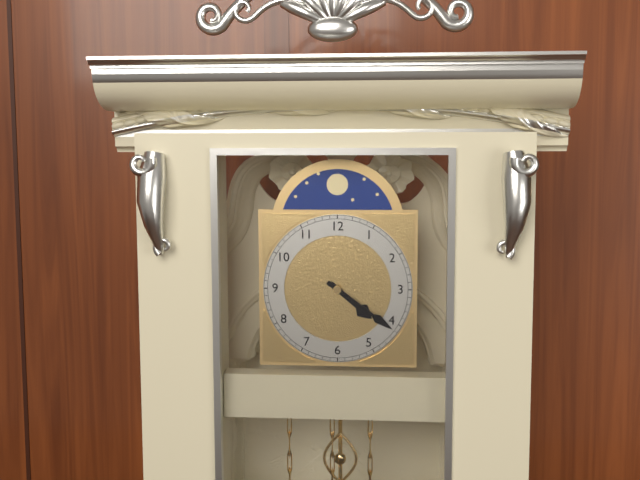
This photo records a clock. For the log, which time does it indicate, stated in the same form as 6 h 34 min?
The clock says 4 h 21 min
